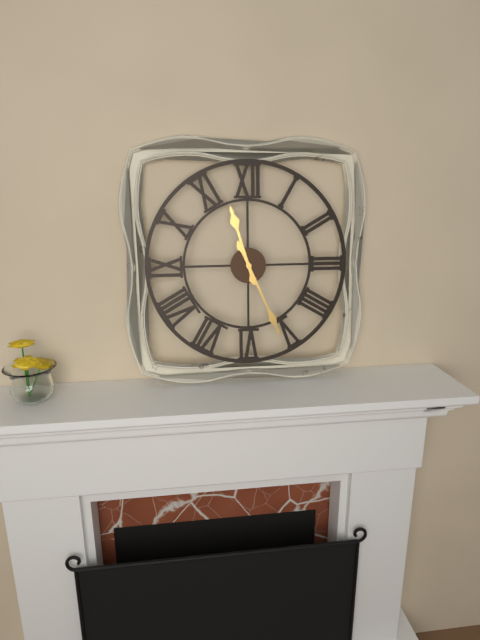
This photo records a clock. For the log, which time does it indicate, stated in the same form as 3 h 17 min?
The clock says 11 h 26 min
